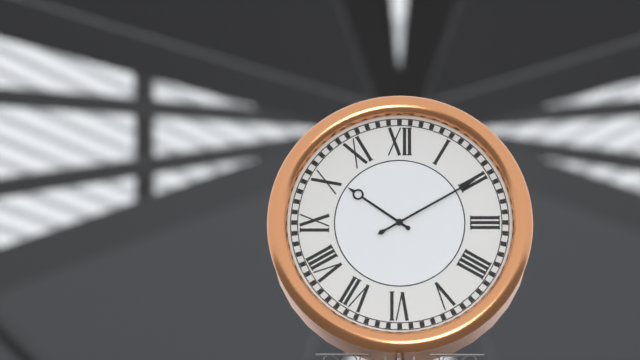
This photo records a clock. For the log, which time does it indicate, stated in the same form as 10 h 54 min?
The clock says 10 h 10 min
